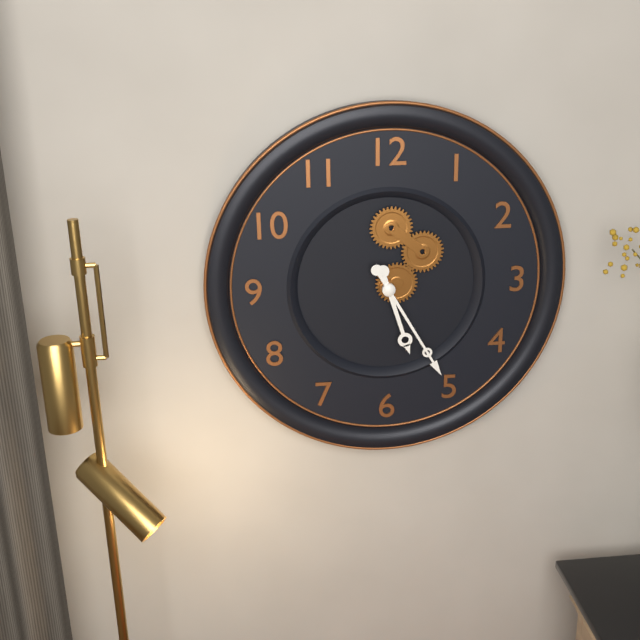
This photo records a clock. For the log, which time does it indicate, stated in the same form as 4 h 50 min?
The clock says 5 h 25 min
